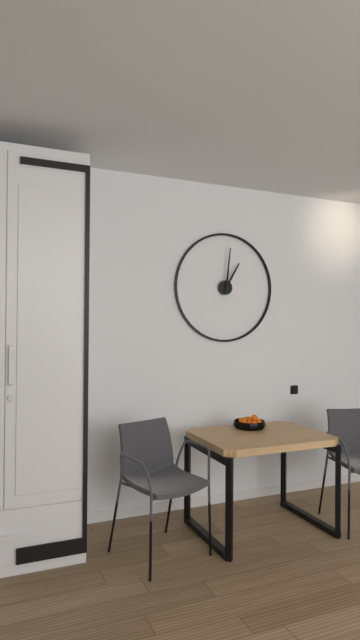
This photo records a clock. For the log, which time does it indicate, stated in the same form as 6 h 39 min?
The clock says 1 h 01 min
